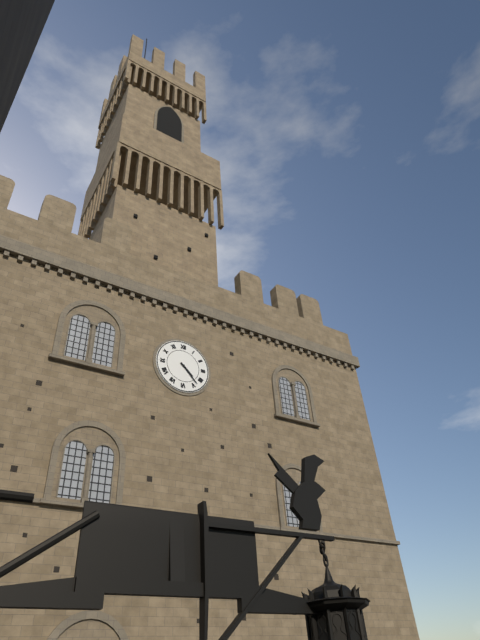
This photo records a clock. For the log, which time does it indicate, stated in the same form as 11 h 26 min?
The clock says 4 h 23 min
